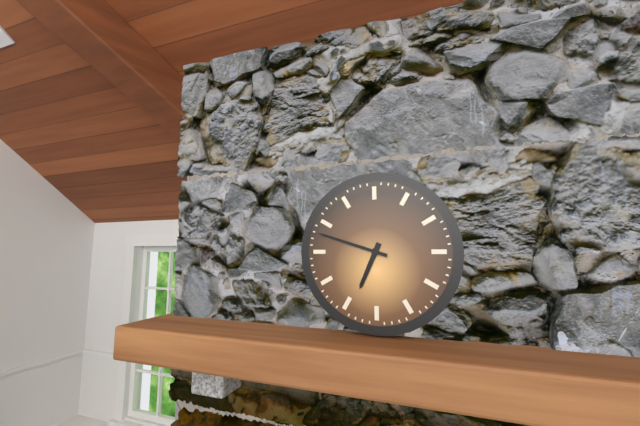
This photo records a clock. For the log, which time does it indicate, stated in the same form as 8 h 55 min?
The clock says 6 h 48 min
